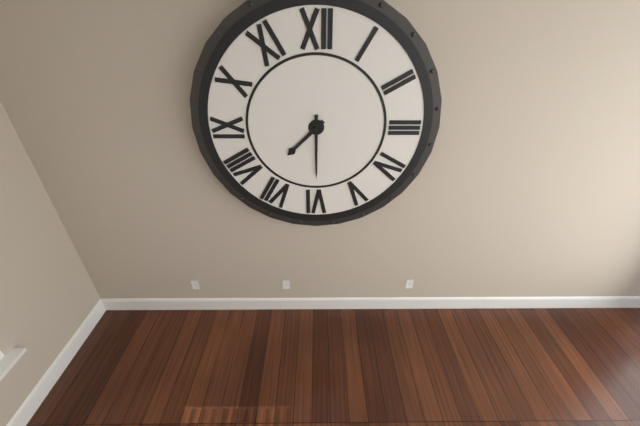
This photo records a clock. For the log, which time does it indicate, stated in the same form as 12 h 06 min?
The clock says 7 h 30 min
